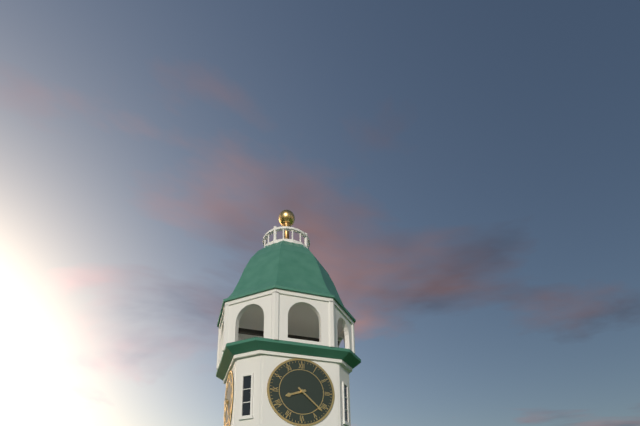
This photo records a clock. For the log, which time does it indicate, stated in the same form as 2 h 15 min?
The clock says 8 h 22 min
